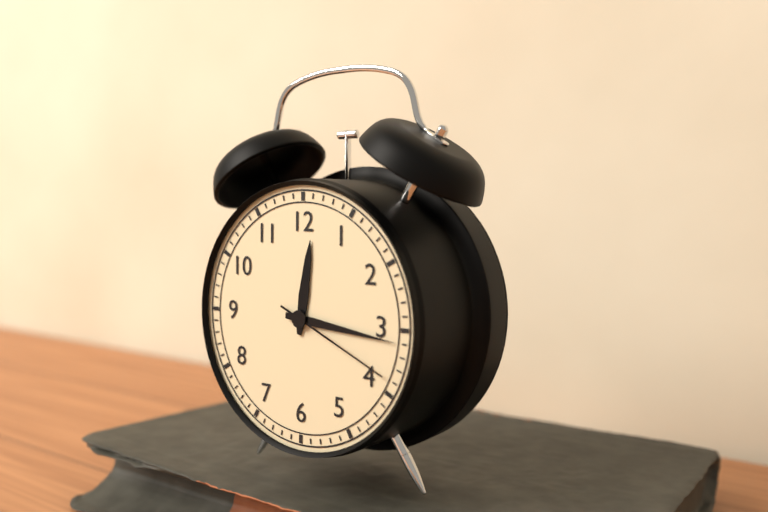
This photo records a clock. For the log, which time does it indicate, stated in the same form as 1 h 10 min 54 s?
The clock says 12 h 16 min 19 s
